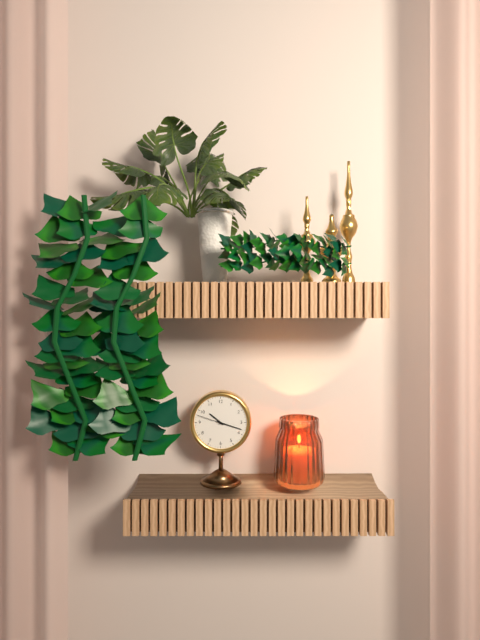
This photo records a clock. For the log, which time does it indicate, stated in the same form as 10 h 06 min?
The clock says 10 h 18 min
